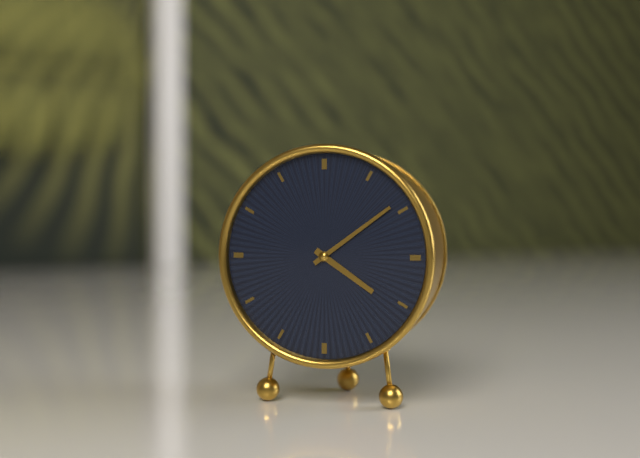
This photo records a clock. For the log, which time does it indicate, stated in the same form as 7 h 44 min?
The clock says 4 h 09 min
